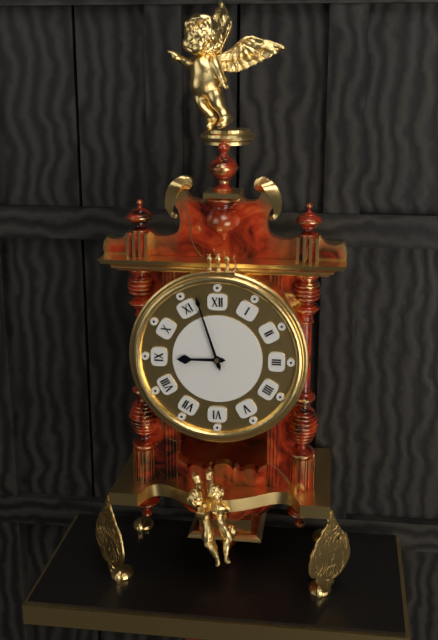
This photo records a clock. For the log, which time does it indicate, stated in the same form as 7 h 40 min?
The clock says 8 h 57 min
